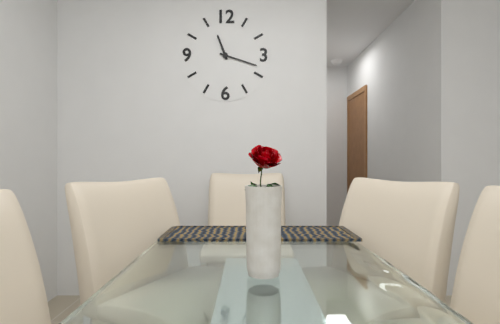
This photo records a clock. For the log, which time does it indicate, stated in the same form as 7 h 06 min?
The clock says 11 h 18 min
